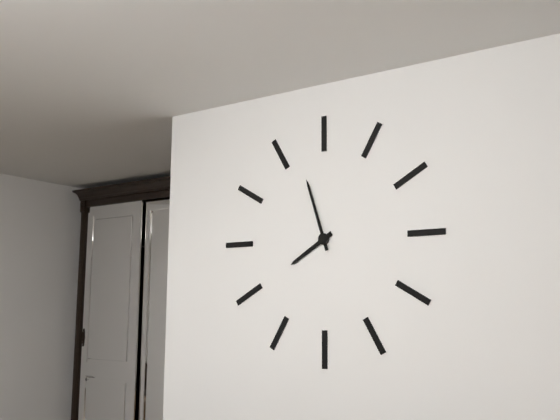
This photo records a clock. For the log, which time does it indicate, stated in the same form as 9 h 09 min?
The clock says 7 h 57 min
